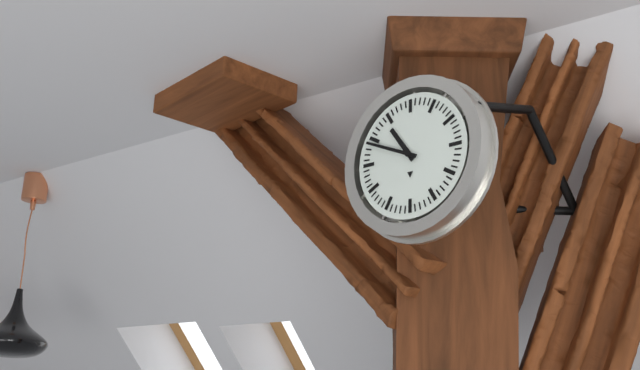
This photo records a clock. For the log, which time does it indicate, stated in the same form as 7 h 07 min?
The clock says 10 h 49 min
